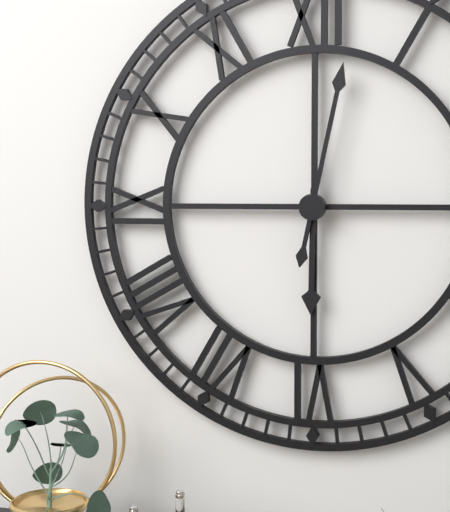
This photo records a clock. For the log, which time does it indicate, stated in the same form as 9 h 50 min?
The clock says 6 h 02 min
